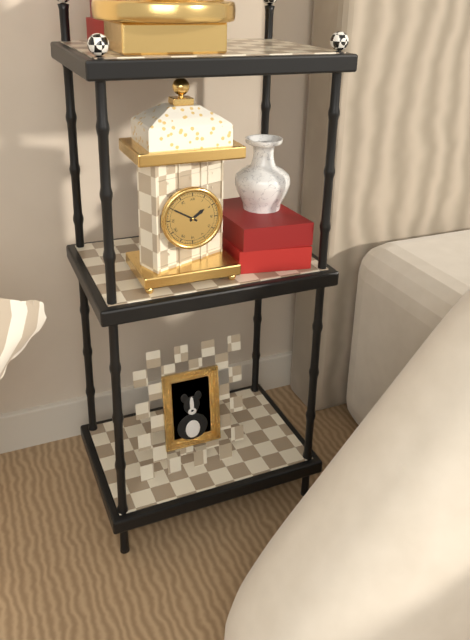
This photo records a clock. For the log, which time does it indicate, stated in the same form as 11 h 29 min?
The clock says 1 h 50 min
